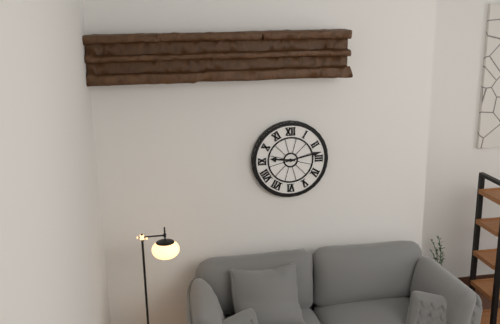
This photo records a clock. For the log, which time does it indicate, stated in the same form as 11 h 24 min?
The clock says 9 h 13 min
